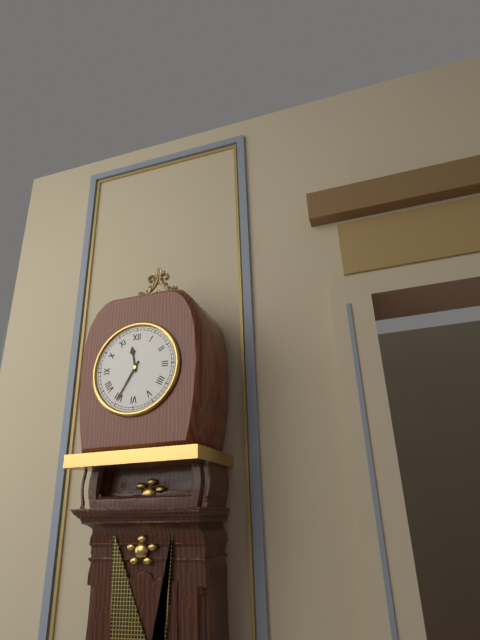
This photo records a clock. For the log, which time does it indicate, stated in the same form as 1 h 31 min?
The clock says 11 h 35 min
